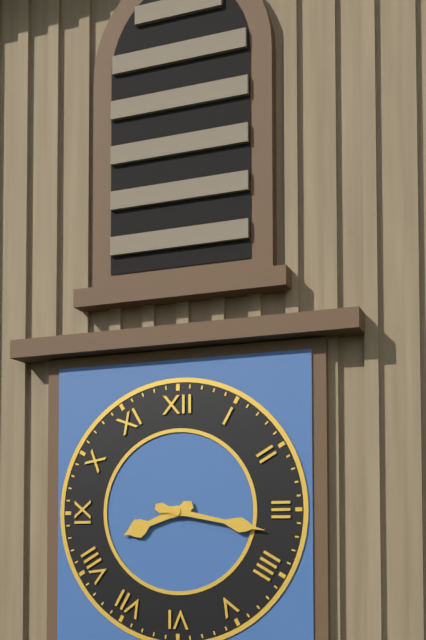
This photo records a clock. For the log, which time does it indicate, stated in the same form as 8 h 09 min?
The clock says 8 h 17 min
